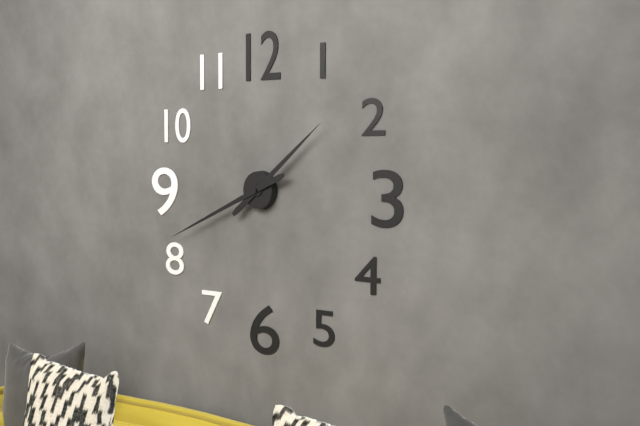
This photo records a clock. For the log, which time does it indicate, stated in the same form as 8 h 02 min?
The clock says 1 h 41 min
